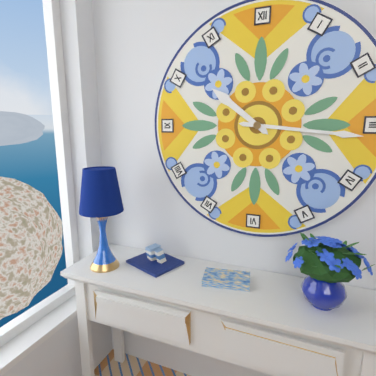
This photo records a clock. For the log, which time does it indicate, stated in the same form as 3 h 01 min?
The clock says 10 h 16 min
